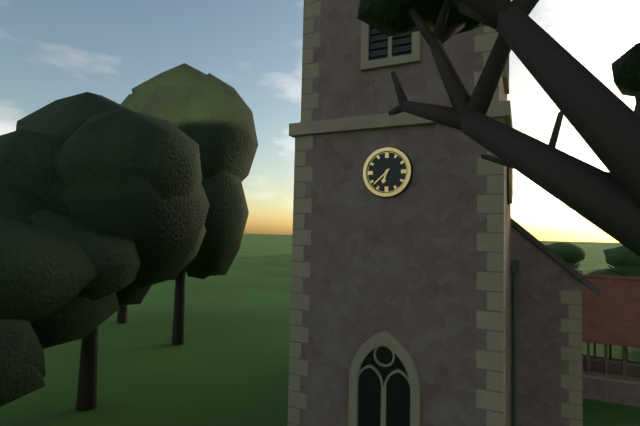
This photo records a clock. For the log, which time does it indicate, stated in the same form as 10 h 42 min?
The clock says 6 h 38 min
